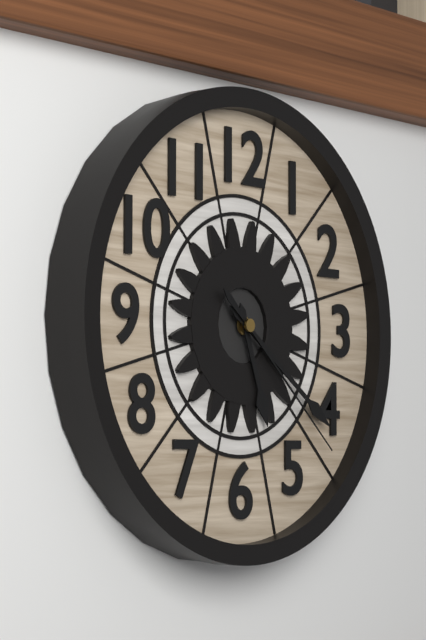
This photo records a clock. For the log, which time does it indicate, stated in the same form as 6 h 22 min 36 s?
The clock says 5 h 21 min 22 s
